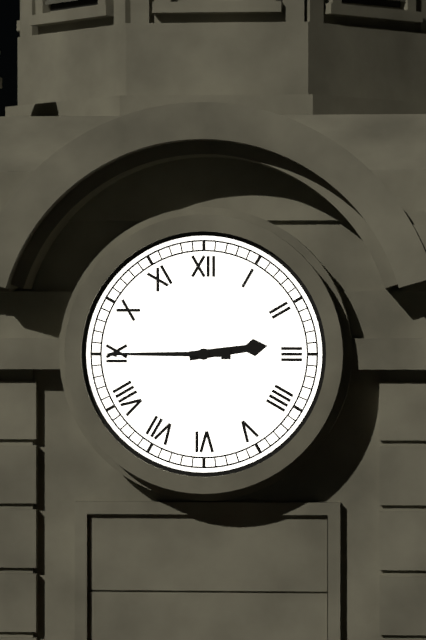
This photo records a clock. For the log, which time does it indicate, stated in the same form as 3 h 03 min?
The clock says 2 h 45 min
